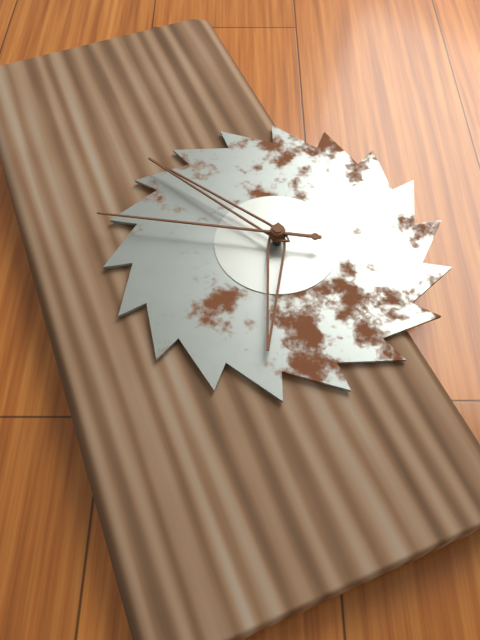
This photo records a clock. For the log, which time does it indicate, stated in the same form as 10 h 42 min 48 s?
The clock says 6 h 55 min 50 s
